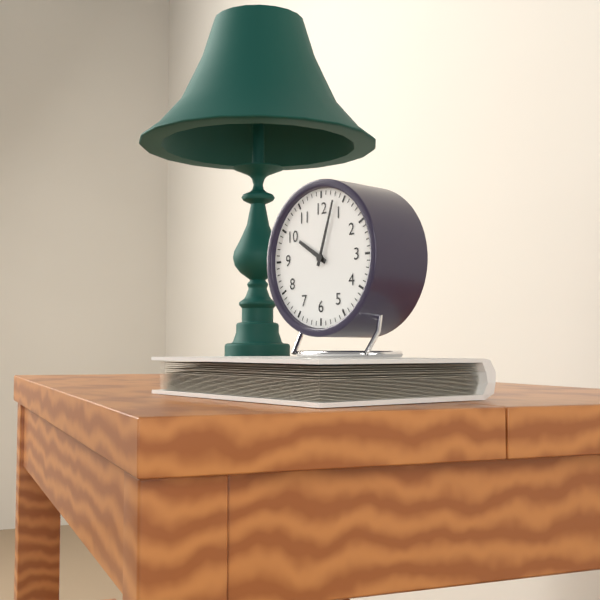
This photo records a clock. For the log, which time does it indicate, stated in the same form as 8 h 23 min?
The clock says 10 h 03 min
